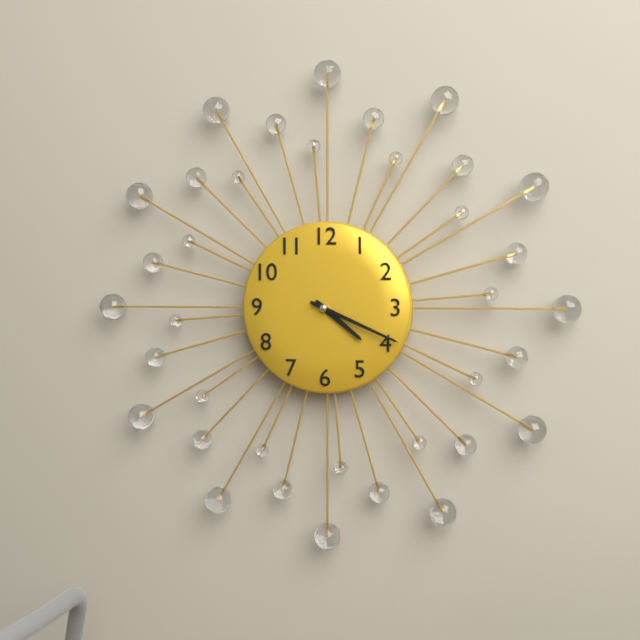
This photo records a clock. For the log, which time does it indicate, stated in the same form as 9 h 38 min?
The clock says 4 h 19 min
